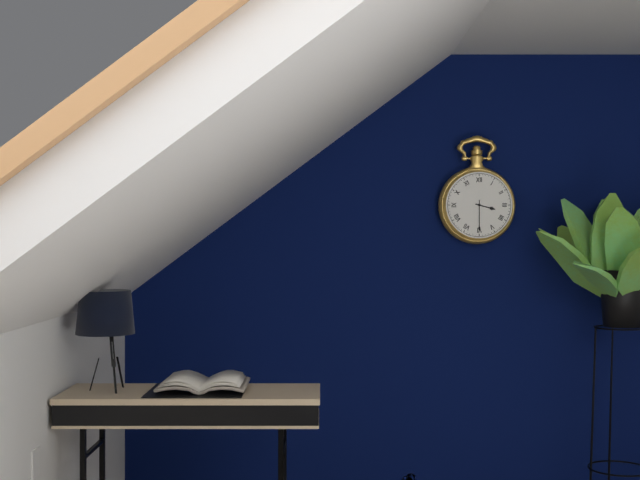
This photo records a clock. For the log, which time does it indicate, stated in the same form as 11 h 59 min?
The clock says 3 h 30 min
